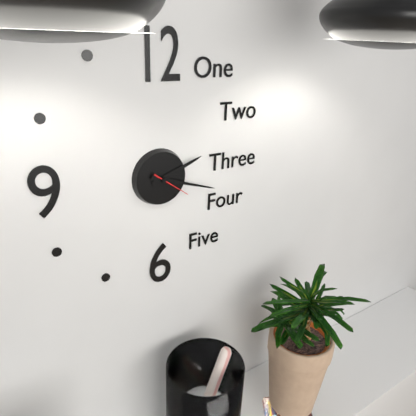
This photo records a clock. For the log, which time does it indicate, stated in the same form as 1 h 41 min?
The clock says 2 h 18 min
